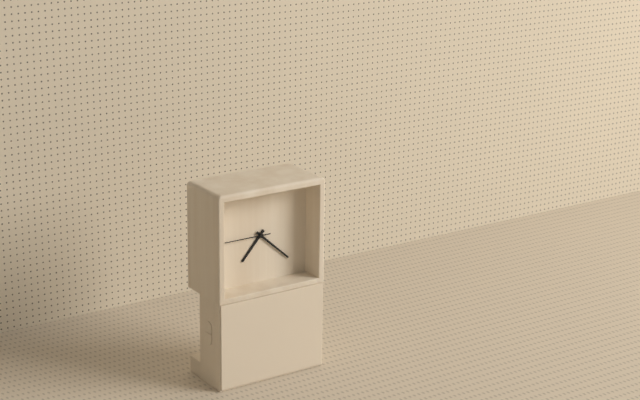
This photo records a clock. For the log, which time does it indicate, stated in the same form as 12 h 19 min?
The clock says 7 h 22 min
